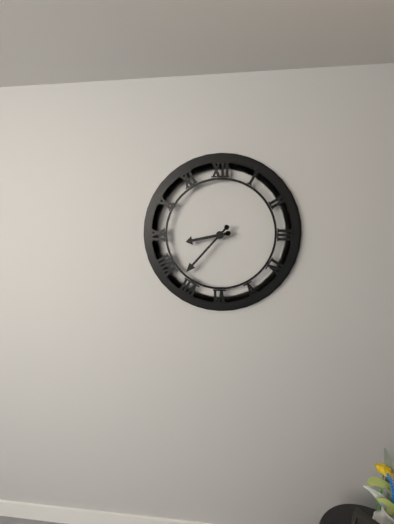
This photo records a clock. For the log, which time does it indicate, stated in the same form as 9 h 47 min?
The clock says 8 h 37 min
